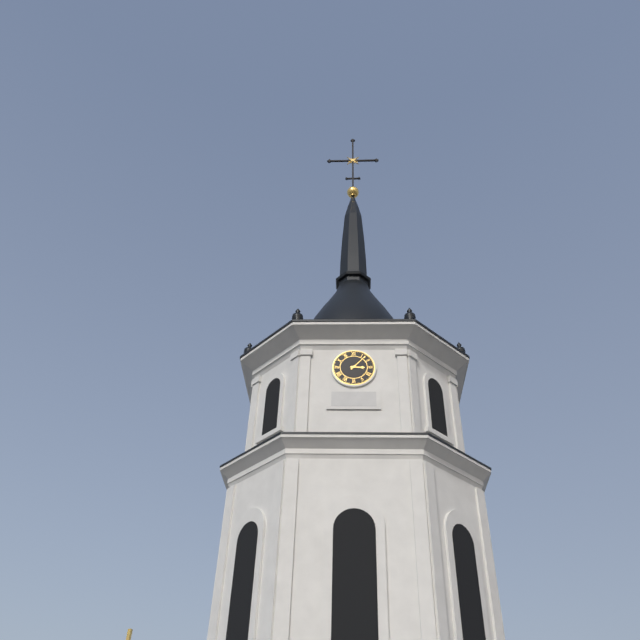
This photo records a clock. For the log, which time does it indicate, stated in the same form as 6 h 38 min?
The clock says 3 h 07 min
